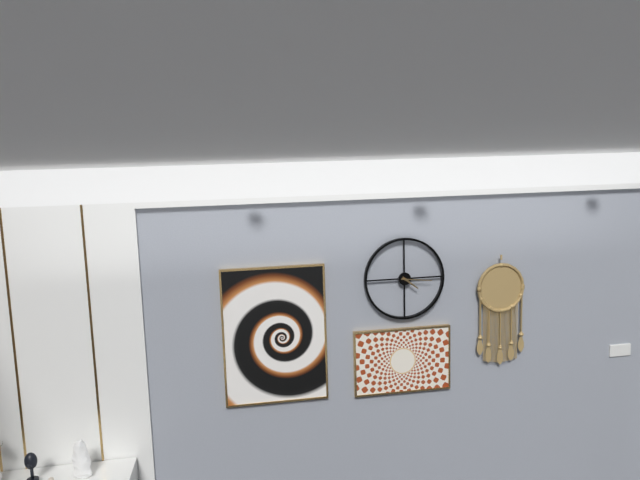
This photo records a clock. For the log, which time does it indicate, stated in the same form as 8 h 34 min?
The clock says 4 h 16 min
